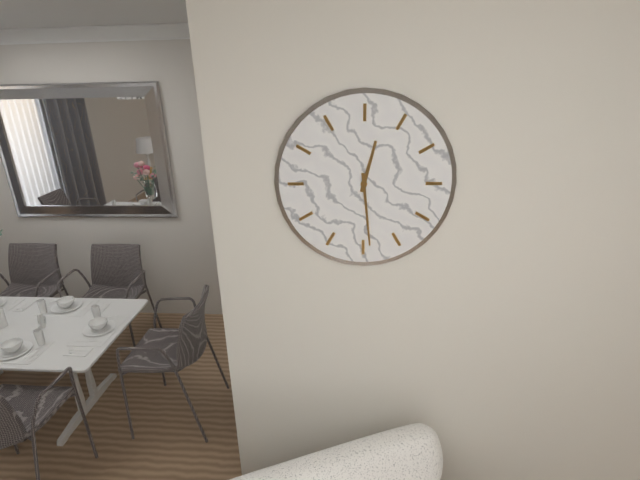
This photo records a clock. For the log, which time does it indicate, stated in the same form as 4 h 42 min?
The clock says 12 h 29 min
